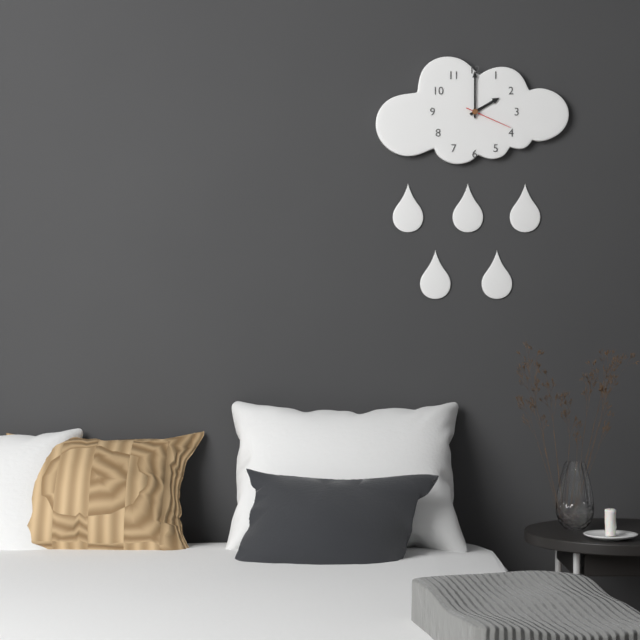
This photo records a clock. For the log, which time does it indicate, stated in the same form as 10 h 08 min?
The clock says 2 h 00 min
